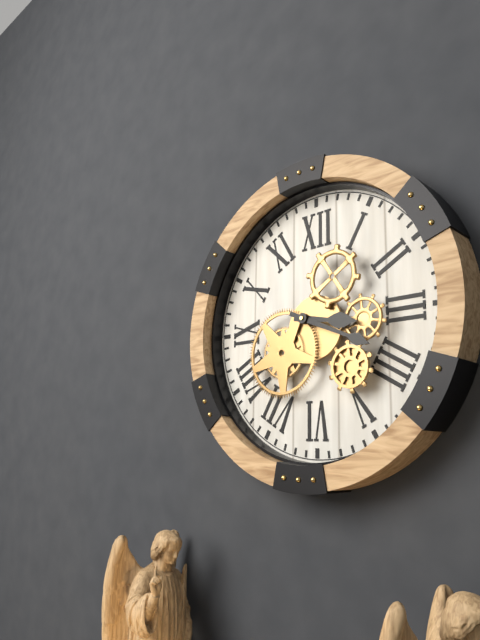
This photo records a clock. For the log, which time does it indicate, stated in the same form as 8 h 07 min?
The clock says 3 h 19 min
